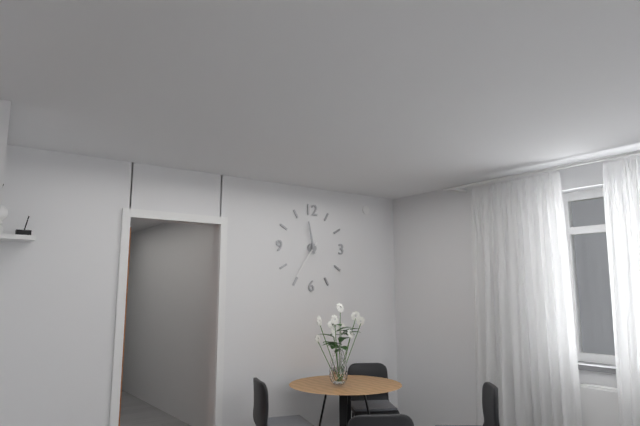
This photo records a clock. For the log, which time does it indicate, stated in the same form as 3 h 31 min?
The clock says 11 h 36 min
